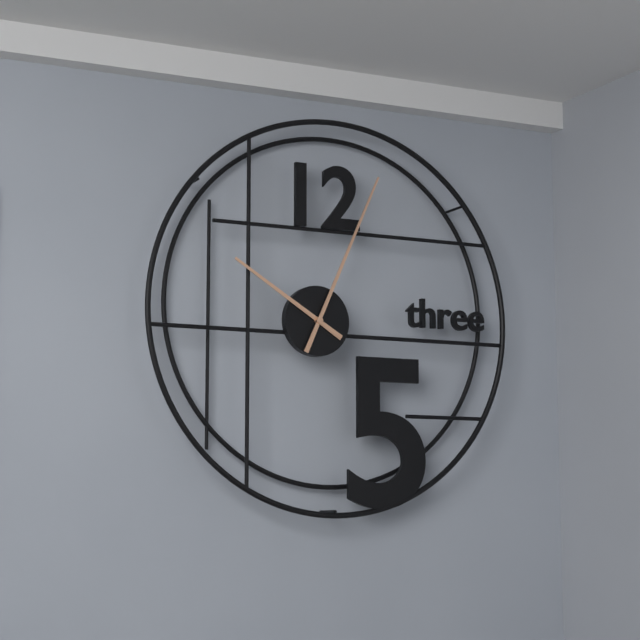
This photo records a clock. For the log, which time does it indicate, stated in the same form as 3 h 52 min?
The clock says 10 h 04 min
